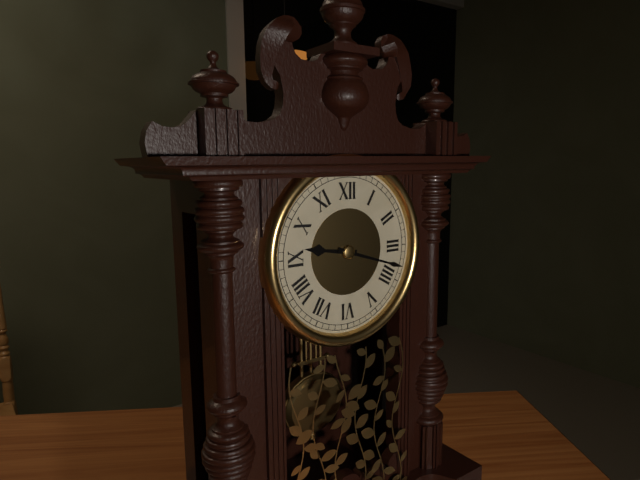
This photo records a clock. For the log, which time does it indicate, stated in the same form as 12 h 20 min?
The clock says 9 h 18 min
